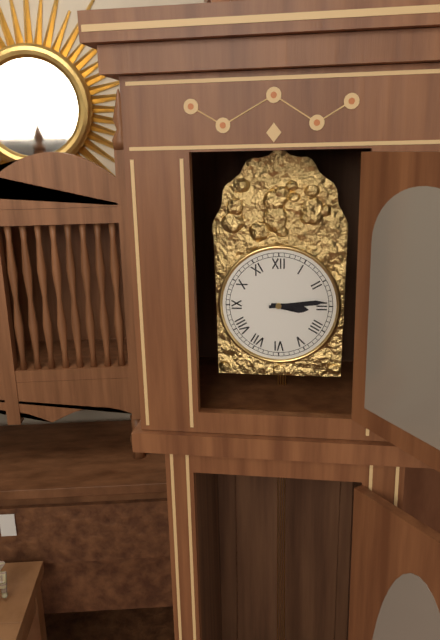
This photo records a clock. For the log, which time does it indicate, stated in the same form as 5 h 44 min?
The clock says 3 h 14 min
